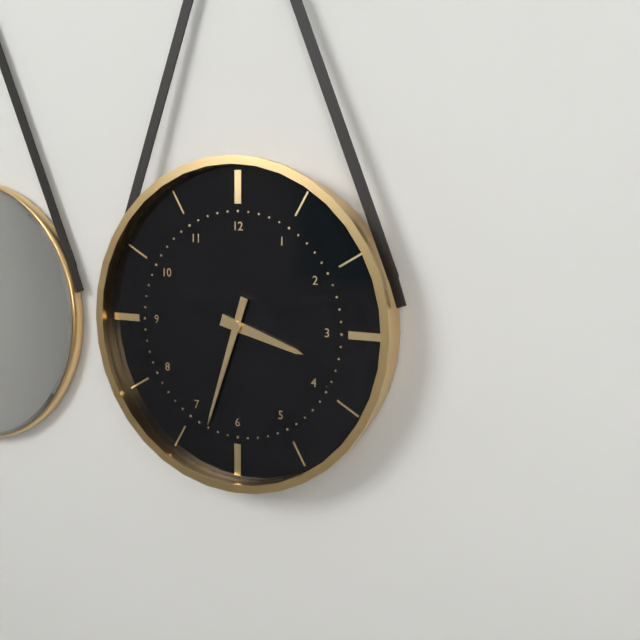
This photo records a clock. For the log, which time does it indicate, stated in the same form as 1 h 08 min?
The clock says 3 h 33 min
